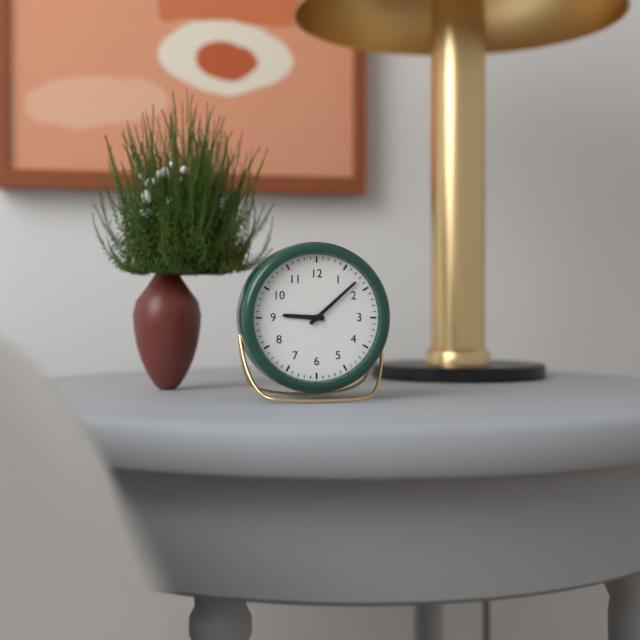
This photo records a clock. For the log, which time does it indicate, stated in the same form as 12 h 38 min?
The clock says 9 h 08 min
